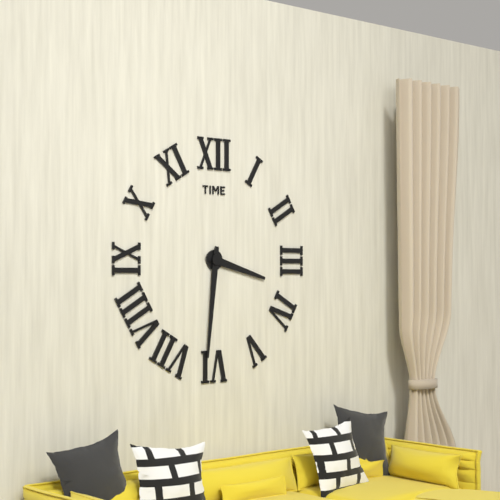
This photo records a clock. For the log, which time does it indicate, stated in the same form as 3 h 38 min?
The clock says 3 h 31 min
